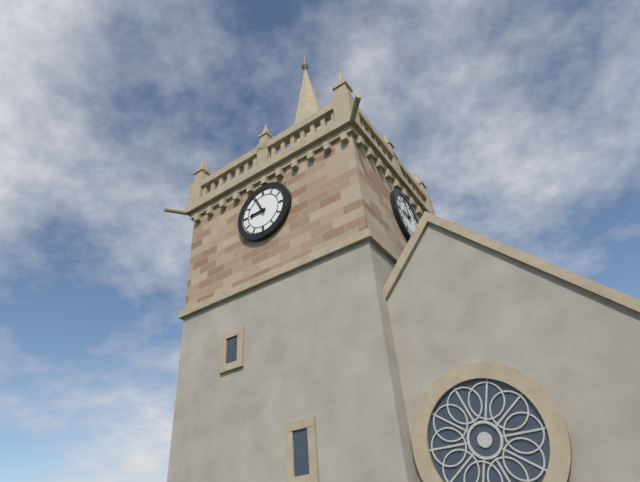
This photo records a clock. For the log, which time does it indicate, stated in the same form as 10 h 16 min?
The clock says 8 h 56 min
